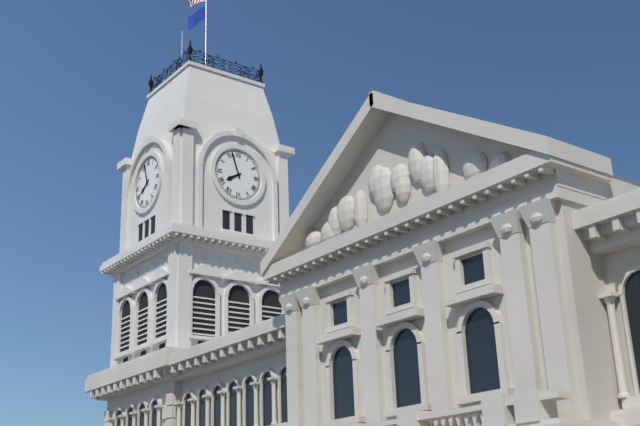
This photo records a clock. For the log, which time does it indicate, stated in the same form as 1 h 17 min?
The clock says 7 h 57 min
